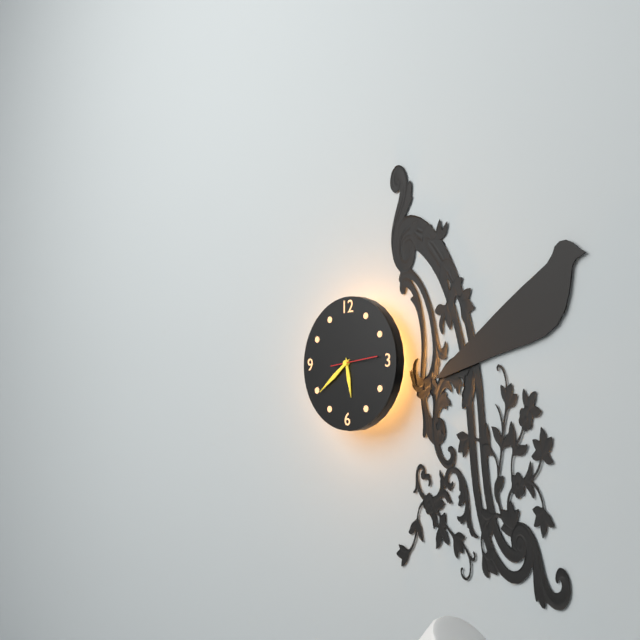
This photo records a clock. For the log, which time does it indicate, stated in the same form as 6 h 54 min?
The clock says 5 h 39 min
